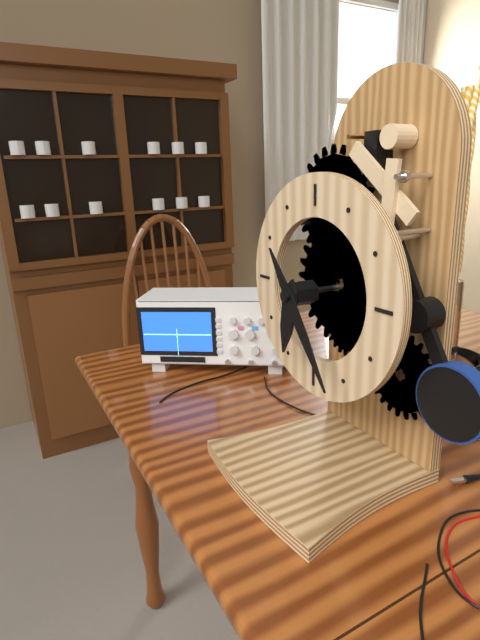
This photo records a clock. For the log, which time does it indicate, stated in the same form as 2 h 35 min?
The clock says 6 h 24 min
